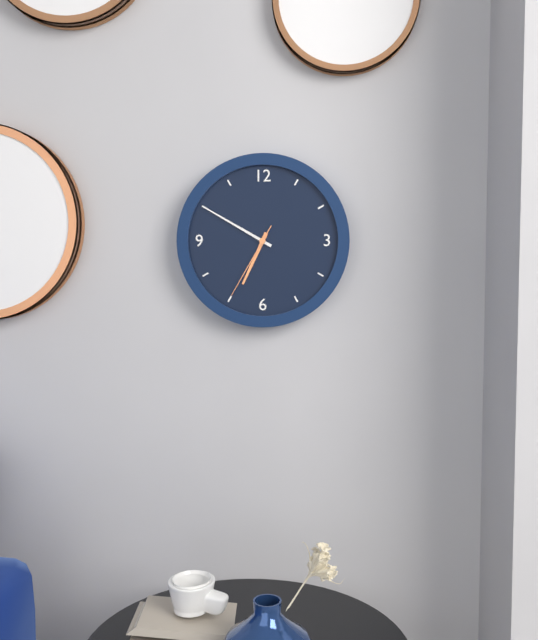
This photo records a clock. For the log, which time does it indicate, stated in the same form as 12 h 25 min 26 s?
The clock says 6 h 50 min 35 s
